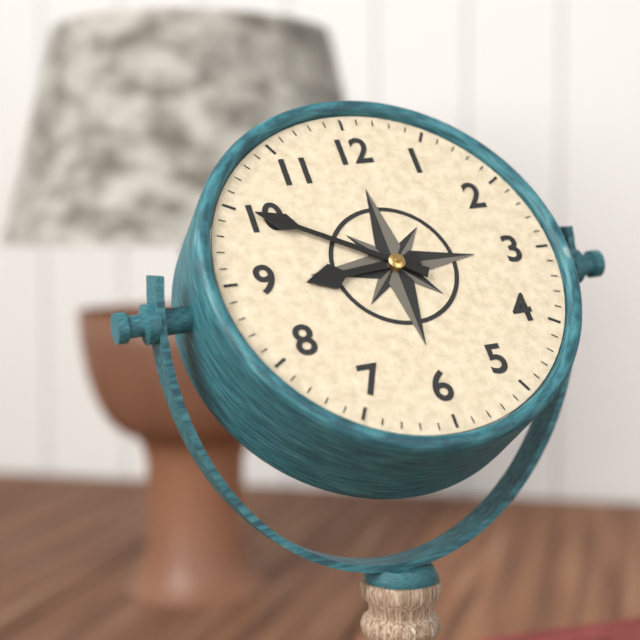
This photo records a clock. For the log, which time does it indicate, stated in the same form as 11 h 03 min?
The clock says 8 h 50 min
